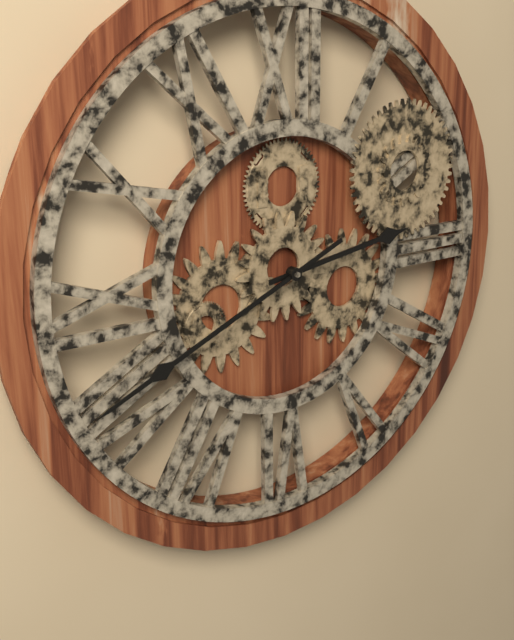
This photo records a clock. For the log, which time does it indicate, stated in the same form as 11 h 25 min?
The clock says 2 h 41 min
